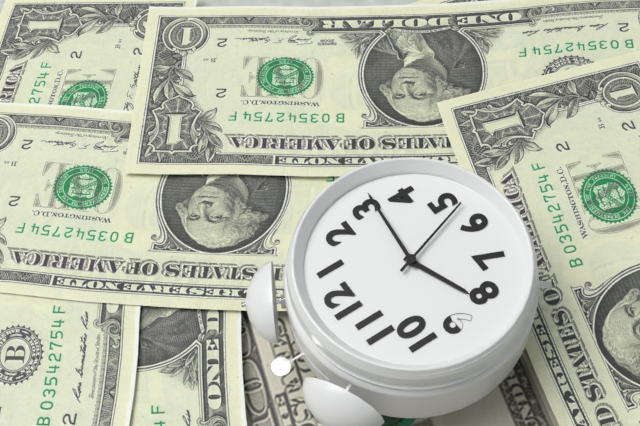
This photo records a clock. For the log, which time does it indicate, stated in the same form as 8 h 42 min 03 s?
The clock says 8 h 16 min 27 s
